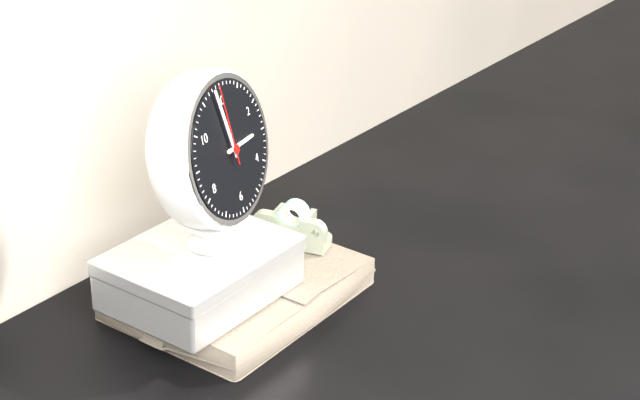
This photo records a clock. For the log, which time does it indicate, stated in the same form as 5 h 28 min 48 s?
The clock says 2 h 58 min 59 s
